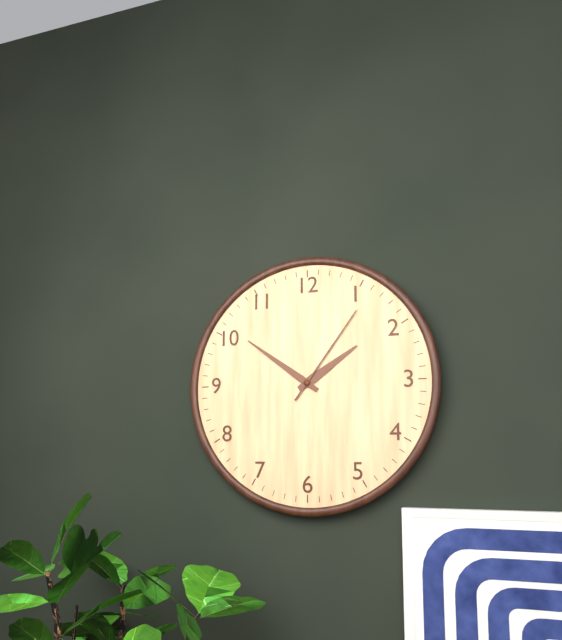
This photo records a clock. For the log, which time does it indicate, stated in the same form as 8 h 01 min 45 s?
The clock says 1 h 51 min 06 s
